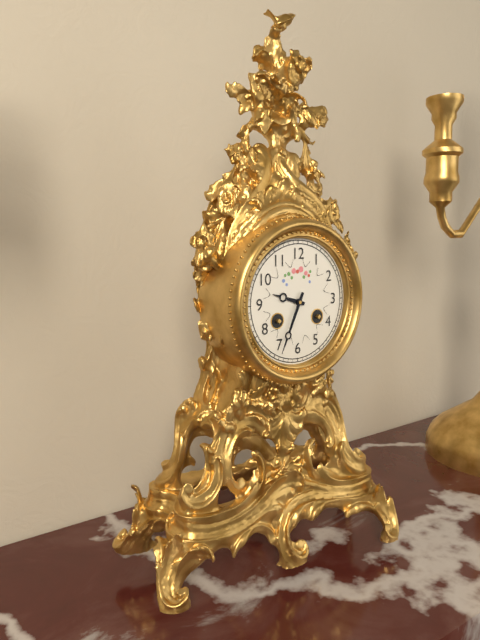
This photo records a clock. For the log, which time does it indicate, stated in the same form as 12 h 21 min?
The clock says 9 h 34 min
